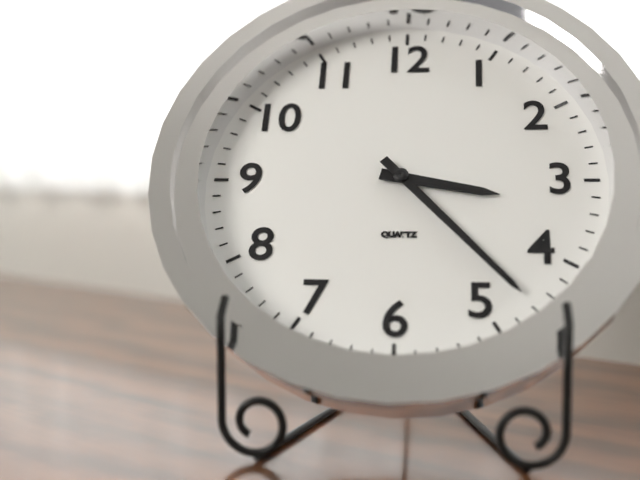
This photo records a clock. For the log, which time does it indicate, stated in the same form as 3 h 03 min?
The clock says 3 h 23 min
